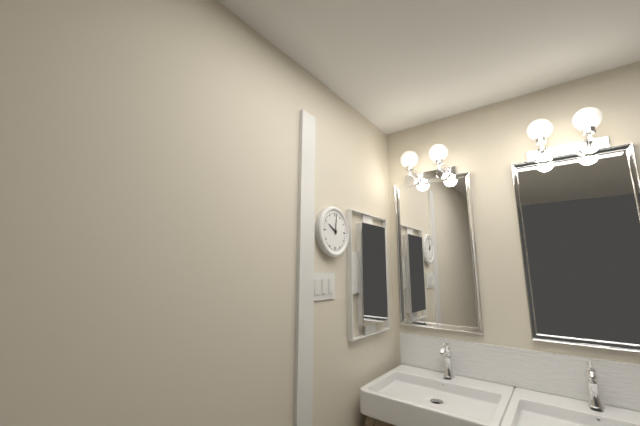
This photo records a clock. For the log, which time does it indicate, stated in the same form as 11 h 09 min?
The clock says 10 h 01 min
